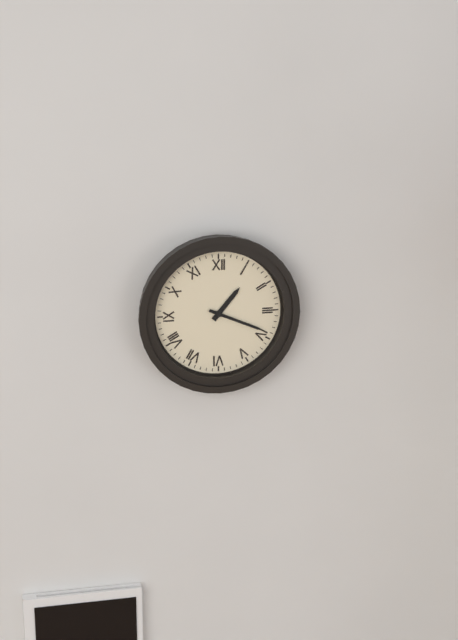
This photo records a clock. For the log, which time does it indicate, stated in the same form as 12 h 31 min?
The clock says 1 h 19 min
